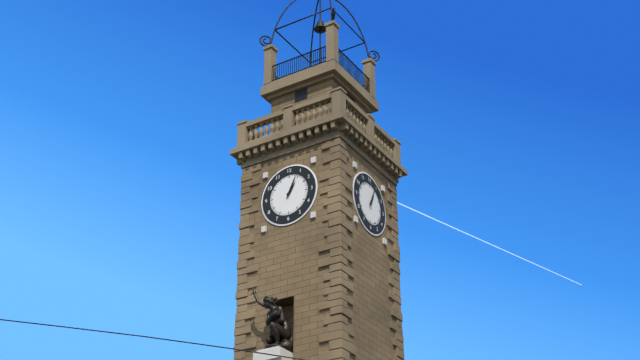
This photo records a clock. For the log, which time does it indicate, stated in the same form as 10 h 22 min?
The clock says 1 h 04 min
